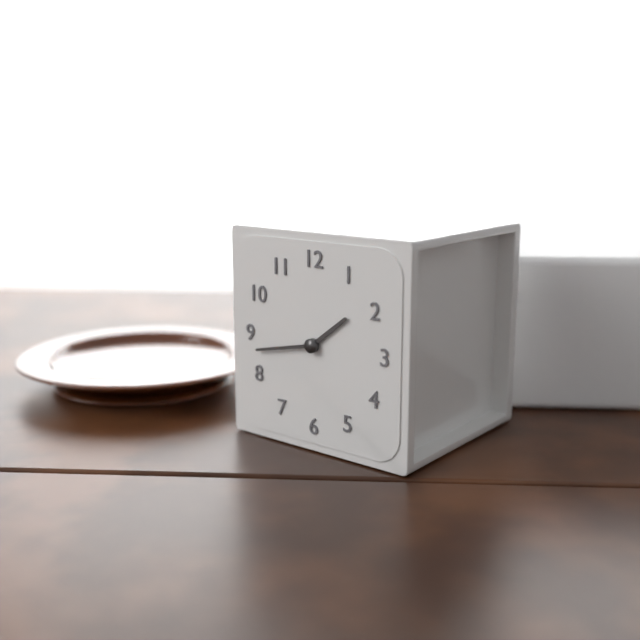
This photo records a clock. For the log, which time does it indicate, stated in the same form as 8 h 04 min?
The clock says 1 h 43 min
